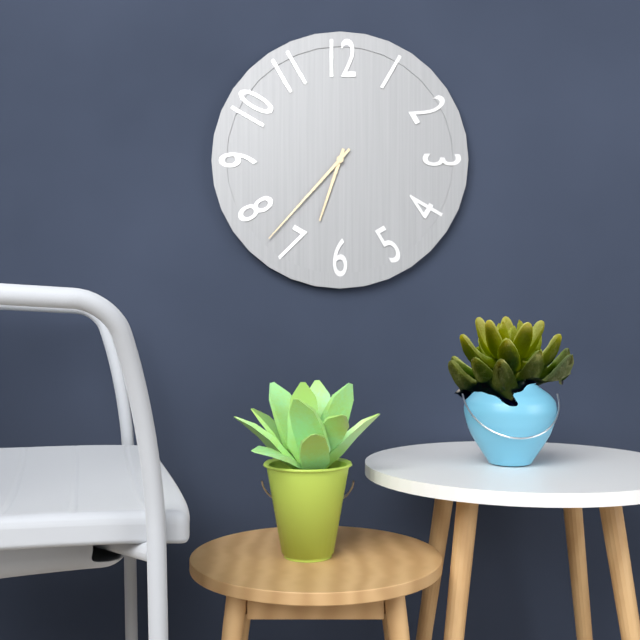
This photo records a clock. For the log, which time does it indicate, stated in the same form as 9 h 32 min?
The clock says 6 h 37 min
